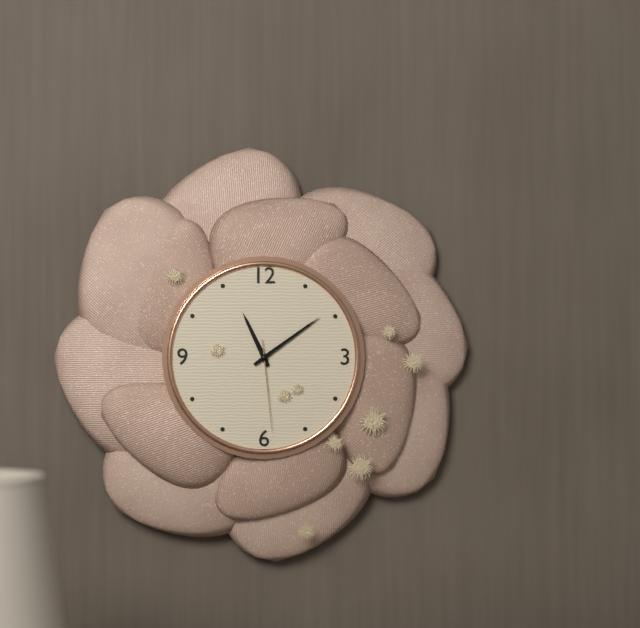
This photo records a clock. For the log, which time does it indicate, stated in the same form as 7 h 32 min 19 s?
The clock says 11 h 09 min 29 s
